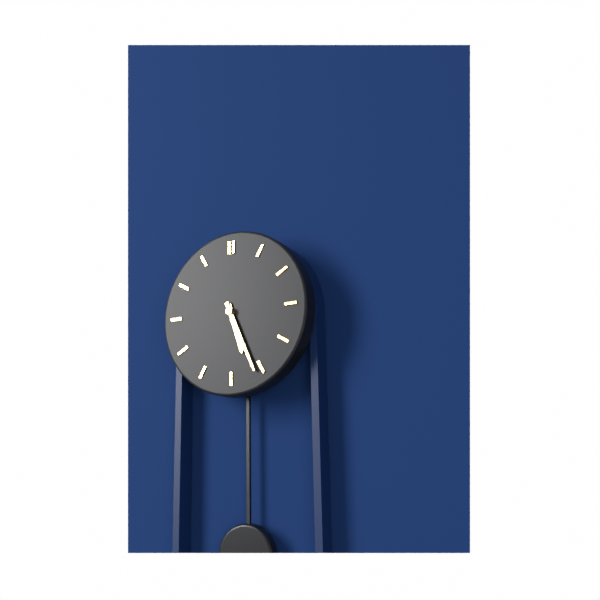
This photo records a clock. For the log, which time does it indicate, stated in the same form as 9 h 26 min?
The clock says 5 h 26 min
